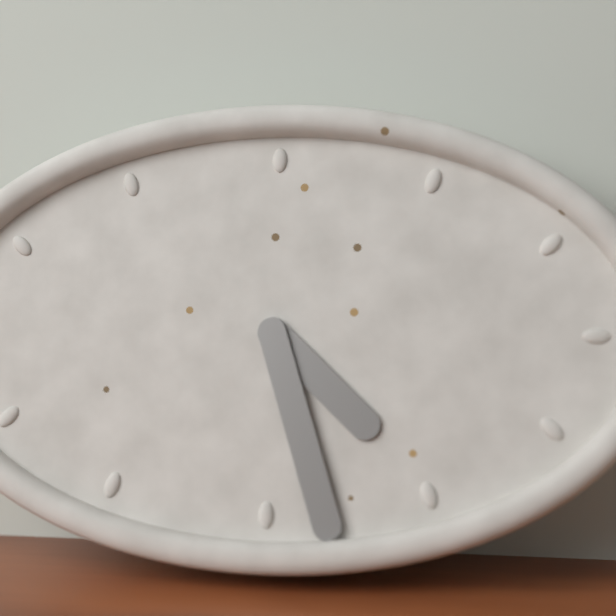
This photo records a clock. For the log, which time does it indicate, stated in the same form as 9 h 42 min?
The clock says 4 h 27 min
